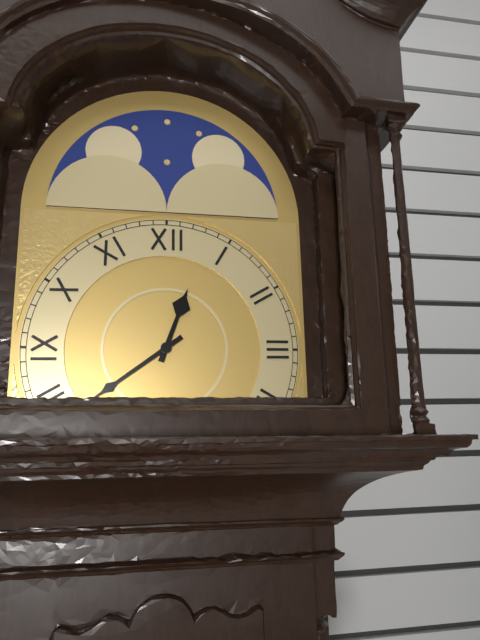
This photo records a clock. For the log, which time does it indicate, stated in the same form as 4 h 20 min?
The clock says 12 h 39 min
